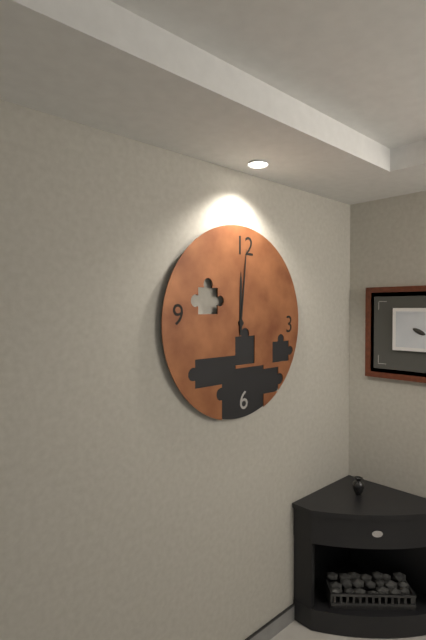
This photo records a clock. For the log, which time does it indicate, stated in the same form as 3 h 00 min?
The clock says 12 h 01 min
